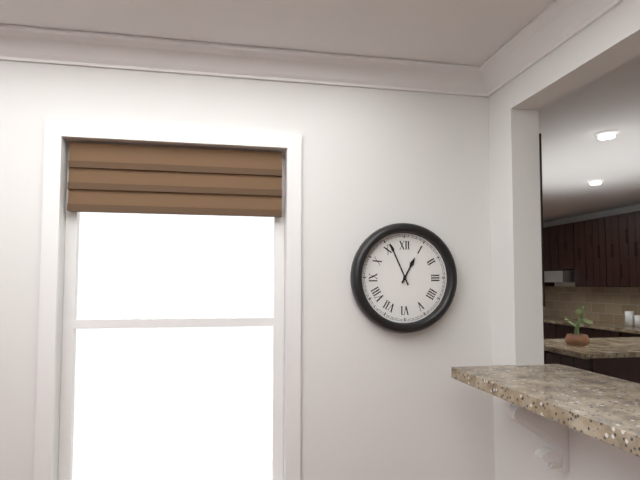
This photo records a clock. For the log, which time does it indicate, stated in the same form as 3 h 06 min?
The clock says 12 h 56 min
